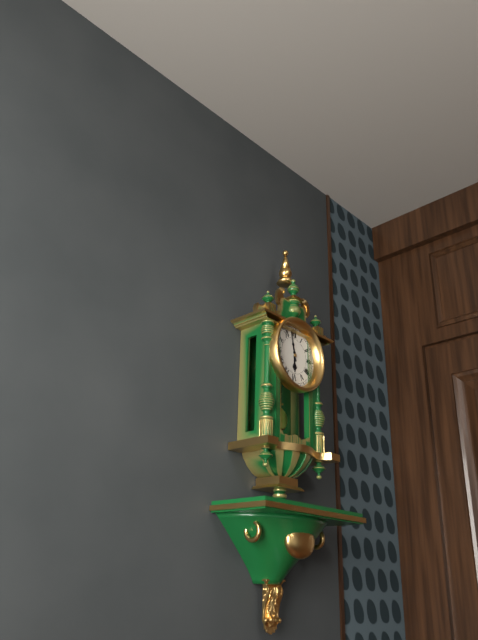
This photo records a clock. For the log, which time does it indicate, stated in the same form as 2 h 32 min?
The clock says 5 h 58 min
